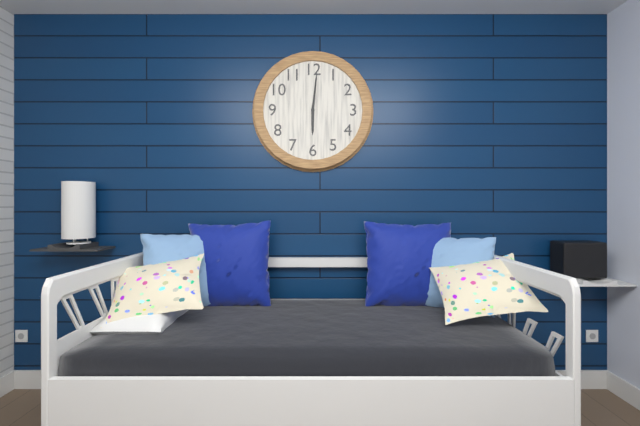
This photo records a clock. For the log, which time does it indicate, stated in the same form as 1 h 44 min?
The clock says 6 h 01 min
